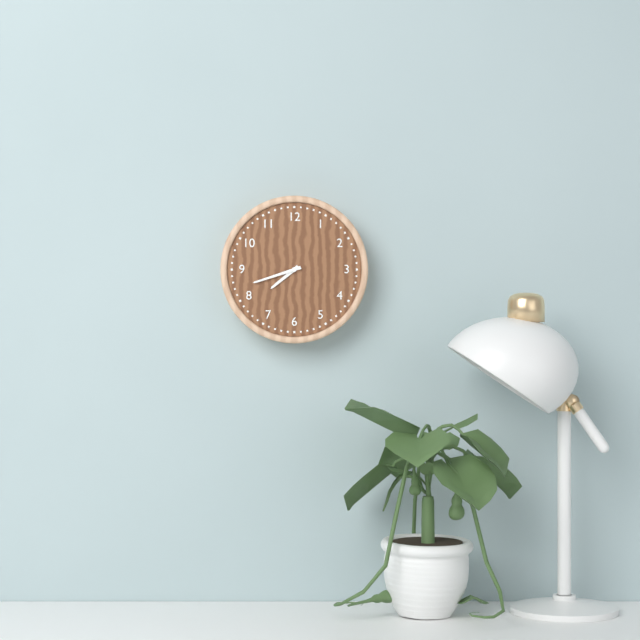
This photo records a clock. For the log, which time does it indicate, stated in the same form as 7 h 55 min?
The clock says 7 h 42 min
